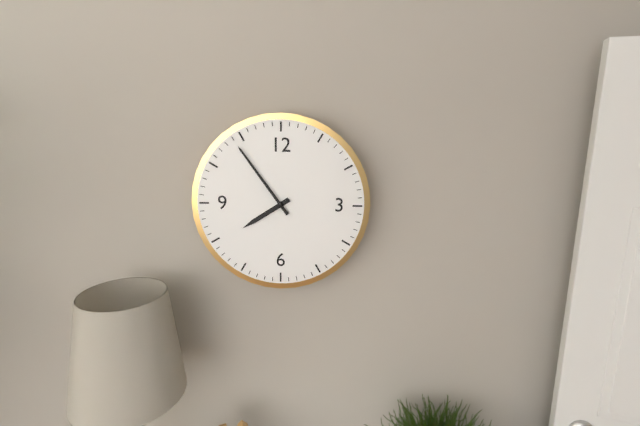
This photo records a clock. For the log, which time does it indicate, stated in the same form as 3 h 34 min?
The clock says 7 h 54 min
